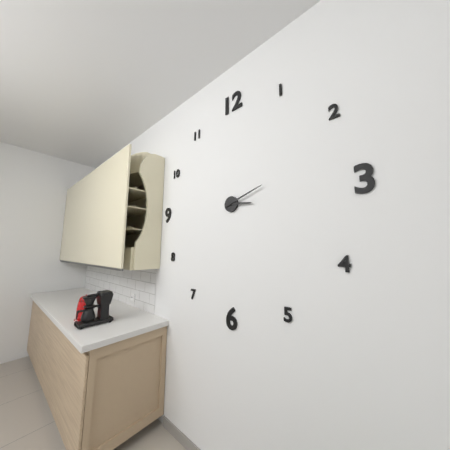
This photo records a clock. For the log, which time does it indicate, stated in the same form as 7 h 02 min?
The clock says 3 h 12 min
